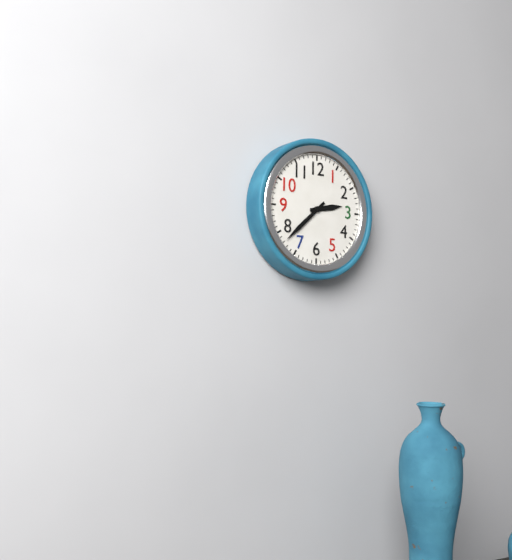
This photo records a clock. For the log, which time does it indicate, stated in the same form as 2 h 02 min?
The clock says 2 h 38 min
